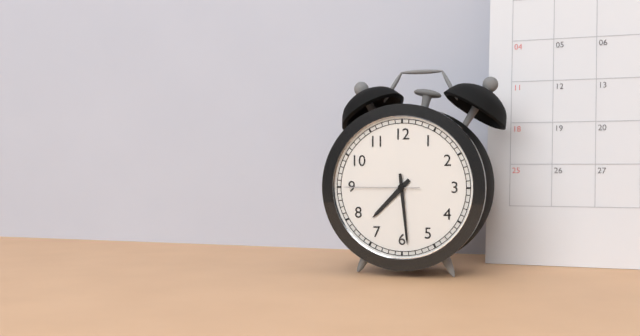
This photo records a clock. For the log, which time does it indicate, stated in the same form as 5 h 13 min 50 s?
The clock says 7 h 29 min 45 s
